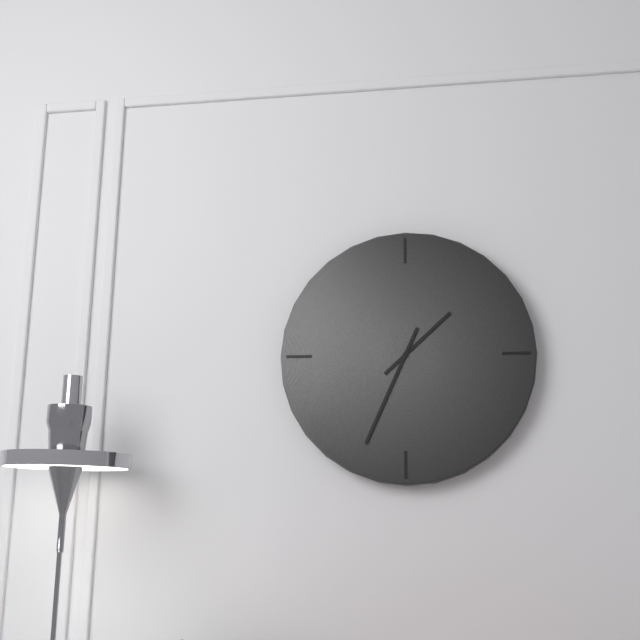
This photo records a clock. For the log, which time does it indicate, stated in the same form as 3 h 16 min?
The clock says 1 h 34 min
